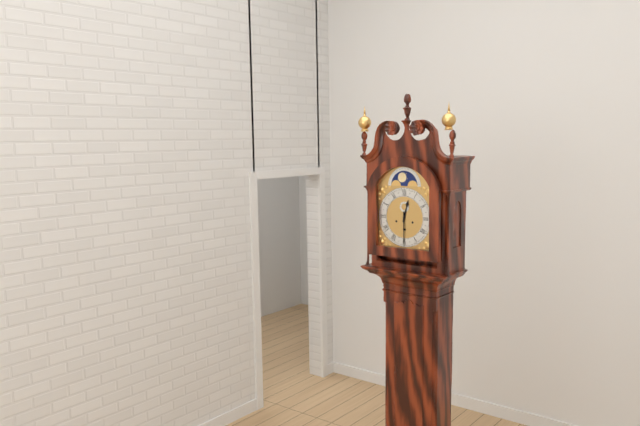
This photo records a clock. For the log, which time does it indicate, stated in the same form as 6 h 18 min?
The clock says 12 h 30 min
